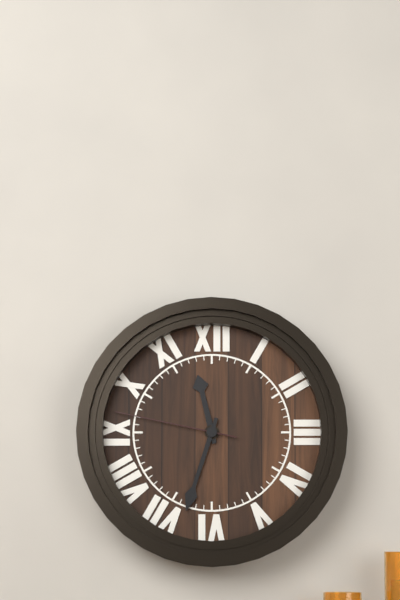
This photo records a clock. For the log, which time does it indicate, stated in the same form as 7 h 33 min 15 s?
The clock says 11 h 33 min 47 s
